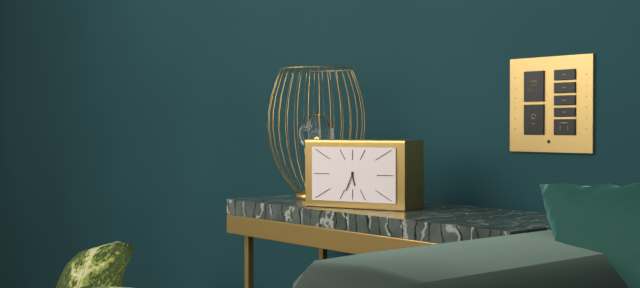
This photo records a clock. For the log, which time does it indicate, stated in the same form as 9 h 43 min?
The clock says 5 h 34 min
